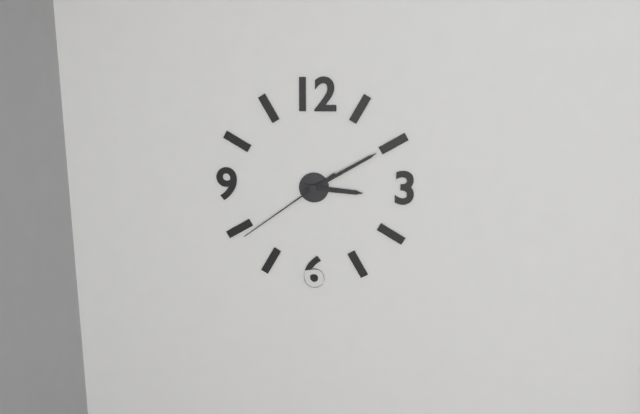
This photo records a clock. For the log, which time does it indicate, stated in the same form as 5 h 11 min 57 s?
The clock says 3 h 10 min 39 s
